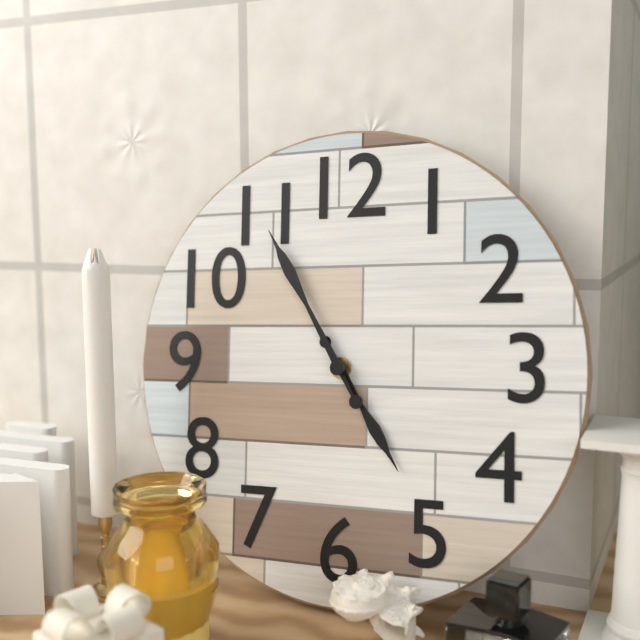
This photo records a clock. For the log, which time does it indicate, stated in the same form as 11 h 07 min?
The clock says 4 h 55 min
